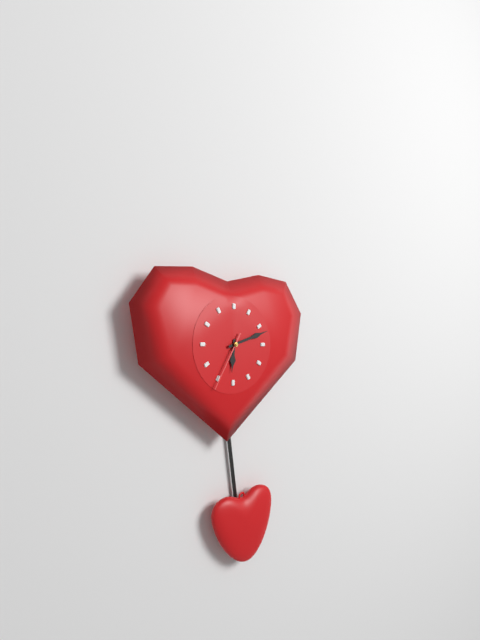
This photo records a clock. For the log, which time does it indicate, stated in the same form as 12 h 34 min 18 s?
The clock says 6 h 12 min 35 s
